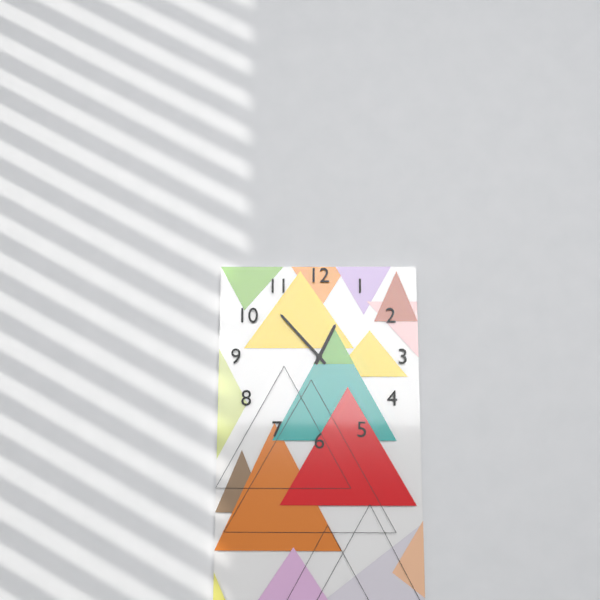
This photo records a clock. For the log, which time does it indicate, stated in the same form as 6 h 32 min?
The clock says 12 h 53 min
